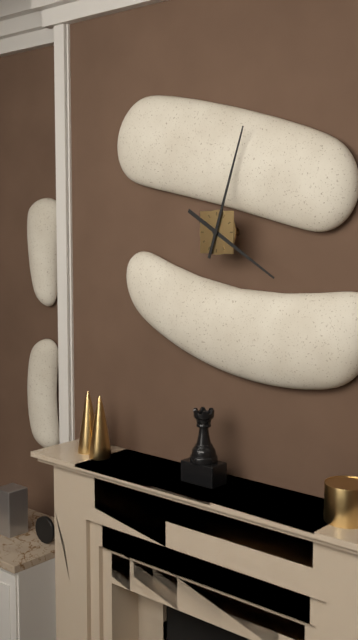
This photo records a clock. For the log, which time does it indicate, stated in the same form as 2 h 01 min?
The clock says 4 h 03 min
